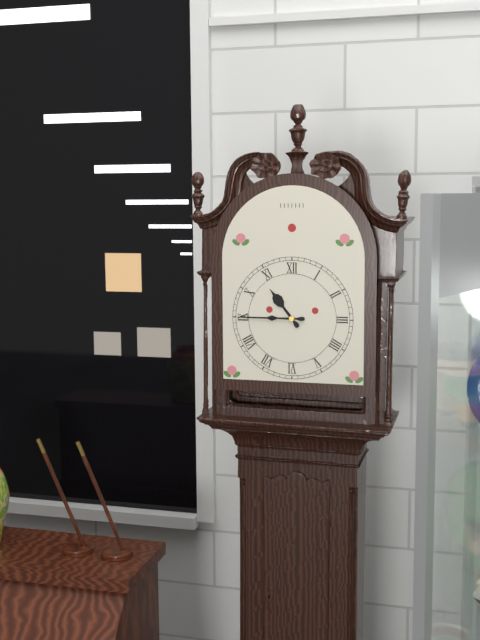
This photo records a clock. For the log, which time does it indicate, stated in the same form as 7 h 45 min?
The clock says 10 h 45 min
